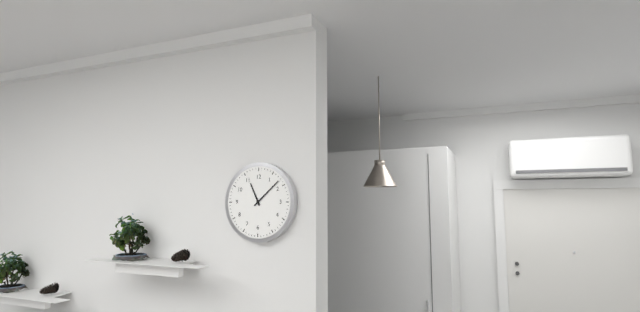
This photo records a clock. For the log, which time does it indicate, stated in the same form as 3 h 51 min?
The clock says 11 h 08 min
